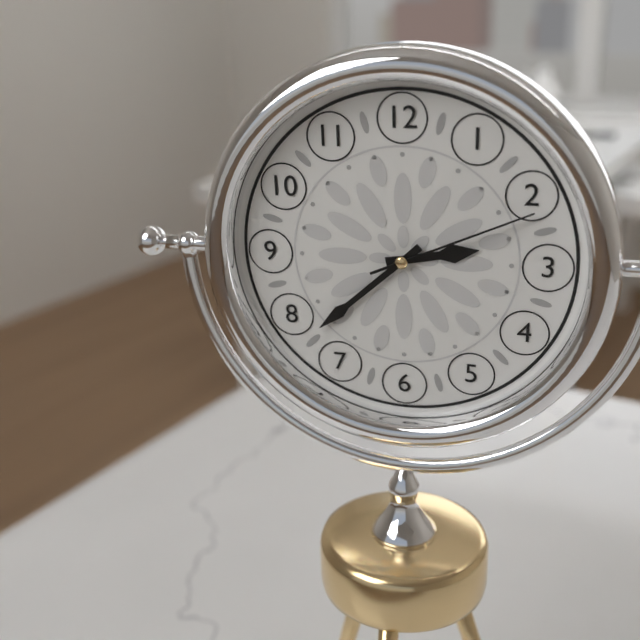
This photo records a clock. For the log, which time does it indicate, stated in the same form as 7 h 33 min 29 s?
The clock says 2 h 38 min 11 s
